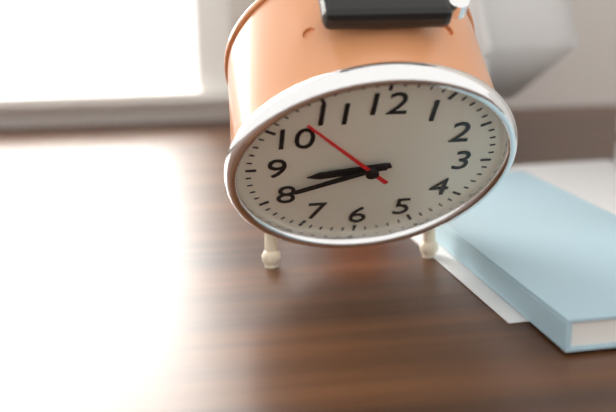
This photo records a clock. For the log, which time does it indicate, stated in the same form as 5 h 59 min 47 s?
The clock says 8 h 41 min 53 s
